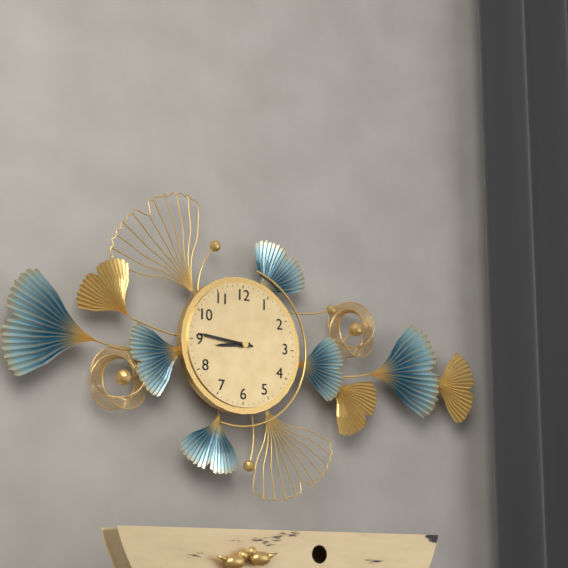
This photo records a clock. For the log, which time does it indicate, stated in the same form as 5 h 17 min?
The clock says 8 h 46 min
